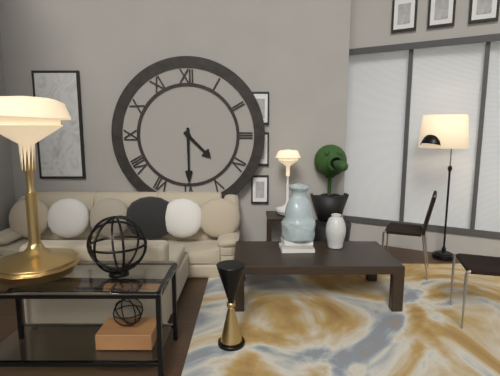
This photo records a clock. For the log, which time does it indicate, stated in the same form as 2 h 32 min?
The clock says 4 h 30 min
